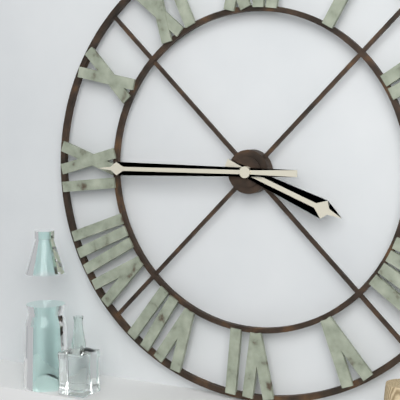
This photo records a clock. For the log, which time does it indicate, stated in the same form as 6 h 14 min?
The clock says 3 h 45 min
